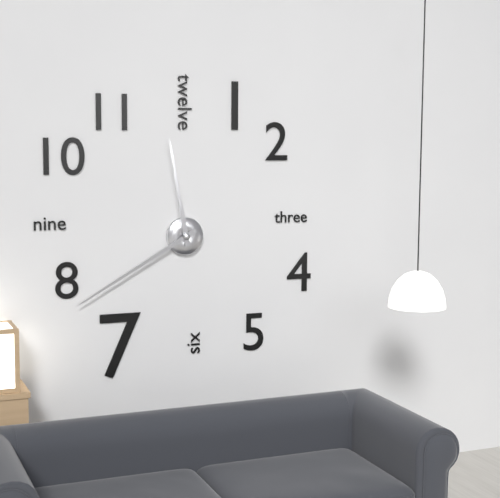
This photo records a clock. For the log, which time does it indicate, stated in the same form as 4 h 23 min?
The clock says 11 h 40 min
